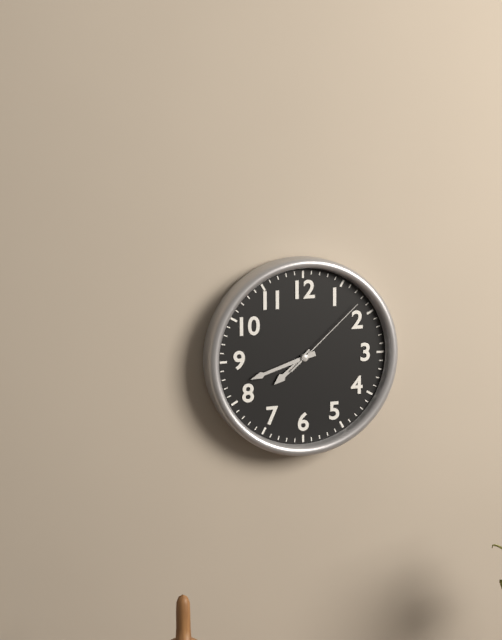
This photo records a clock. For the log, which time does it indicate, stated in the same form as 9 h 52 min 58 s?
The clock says 7 h 42 min 08 s
